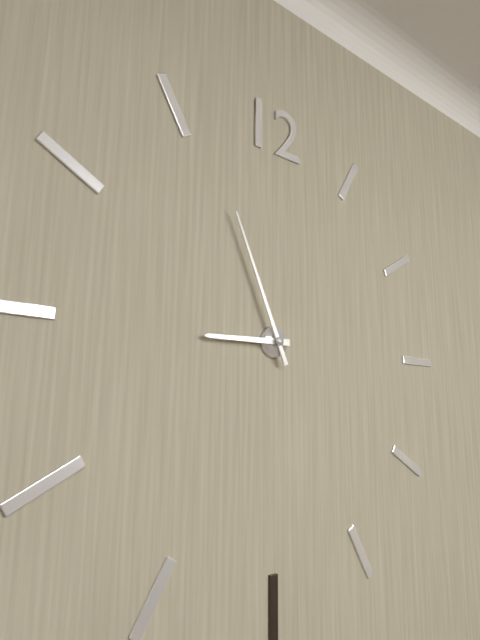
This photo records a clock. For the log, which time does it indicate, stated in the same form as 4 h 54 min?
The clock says 8 h 56 min
